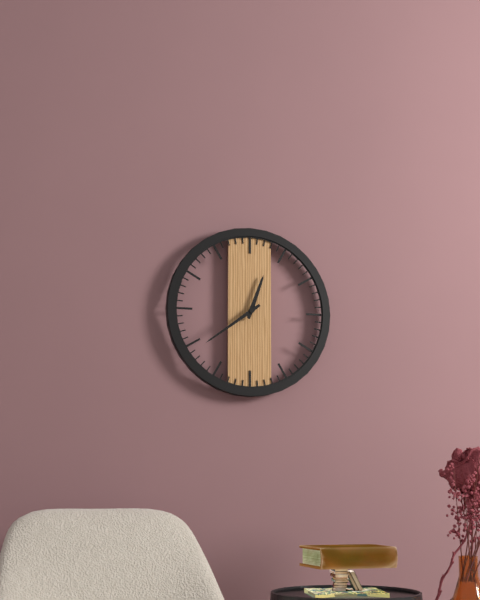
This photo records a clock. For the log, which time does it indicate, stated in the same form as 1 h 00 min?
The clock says 12 h 39 min
